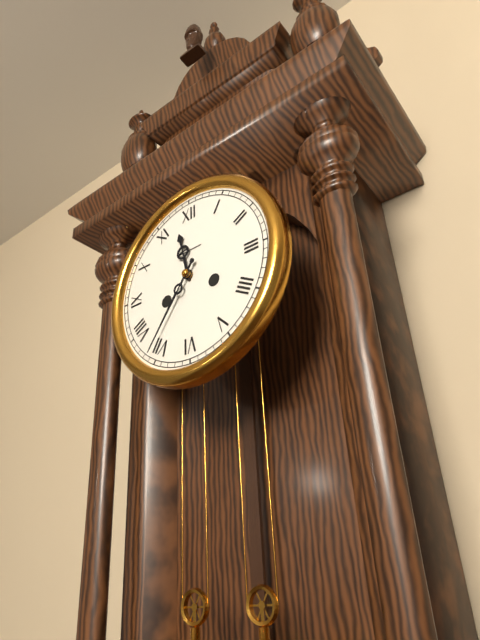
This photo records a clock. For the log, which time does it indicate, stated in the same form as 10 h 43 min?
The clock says 11 h 36 min
